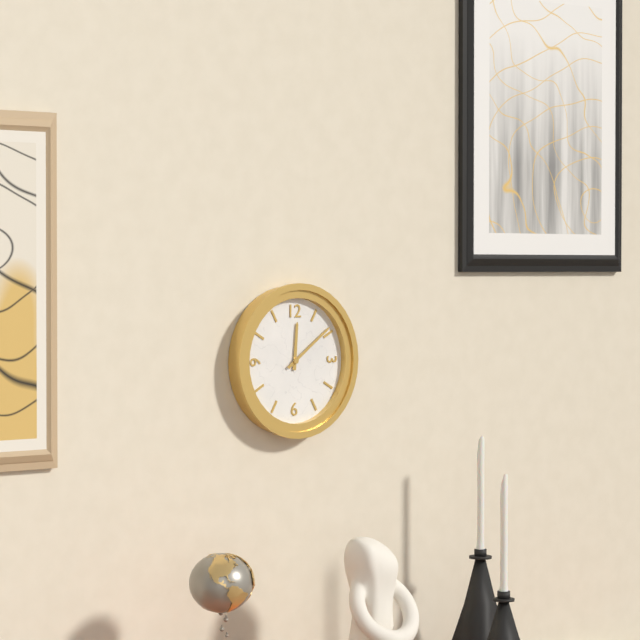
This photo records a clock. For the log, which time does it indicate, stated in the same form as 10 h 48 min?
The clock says 12 h 09 min
